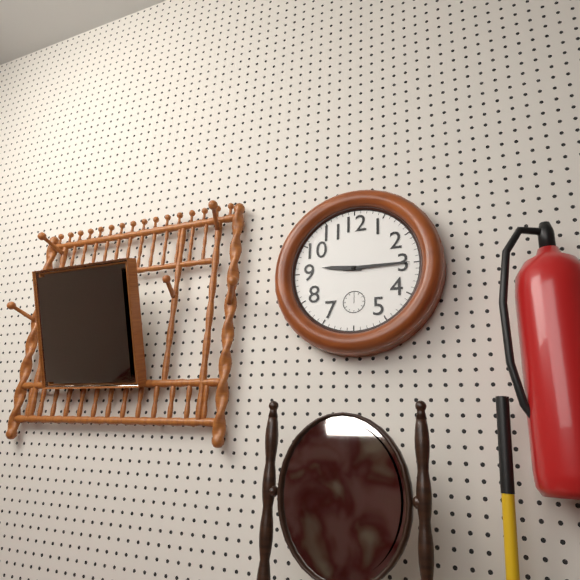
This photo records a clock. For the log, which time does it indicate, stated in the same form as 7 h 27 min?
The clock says 9 h 15 min
